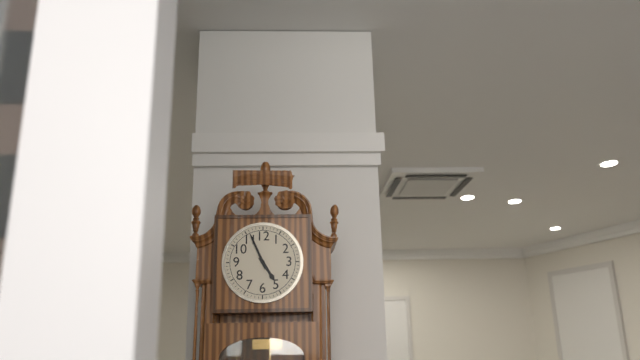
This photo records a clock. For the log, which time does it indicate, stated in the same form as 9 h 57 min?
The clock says 4 h 56 min
